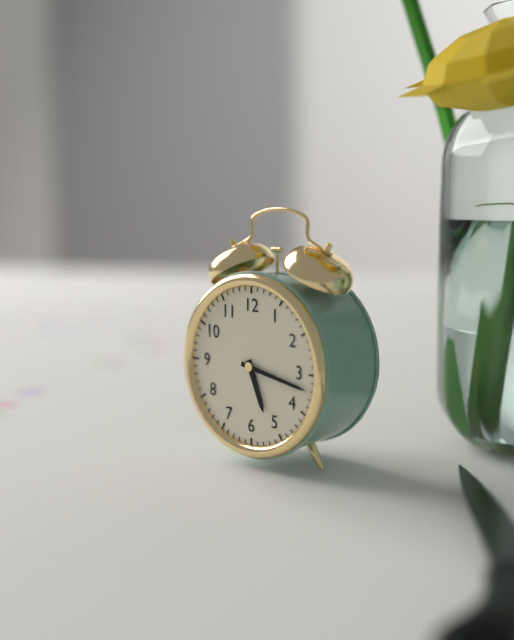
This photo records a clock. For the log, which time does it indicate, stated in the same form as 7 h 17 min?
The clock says 5 h 17 min
